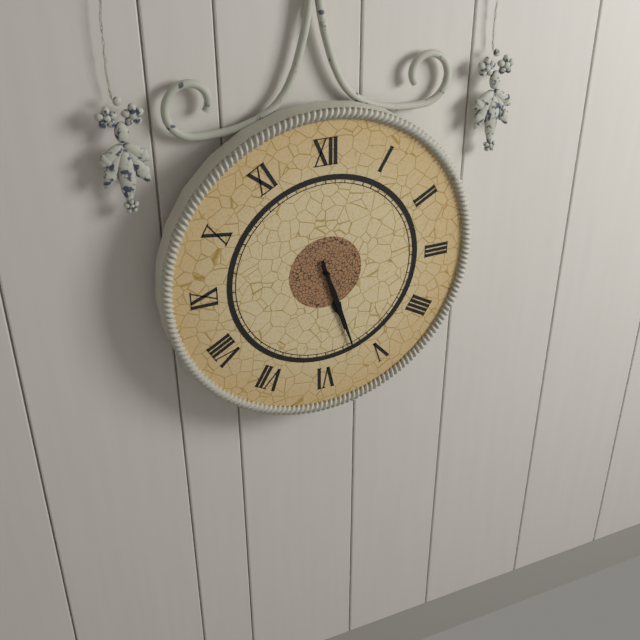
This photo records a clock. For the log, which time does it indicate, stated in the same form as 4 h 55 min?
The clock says 5 h 27 min
